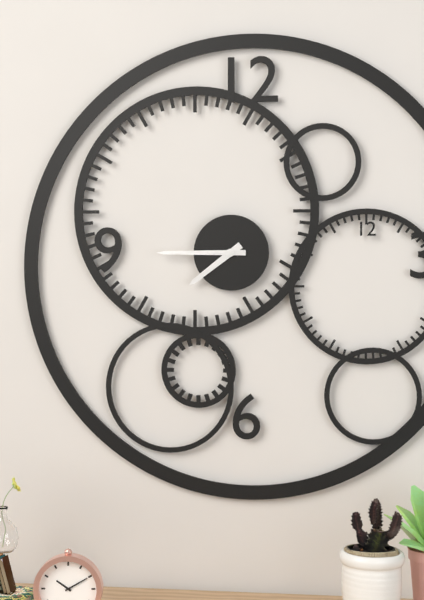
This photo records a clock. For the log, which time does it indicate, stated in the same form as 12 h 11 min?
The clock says 7 h 45 min
